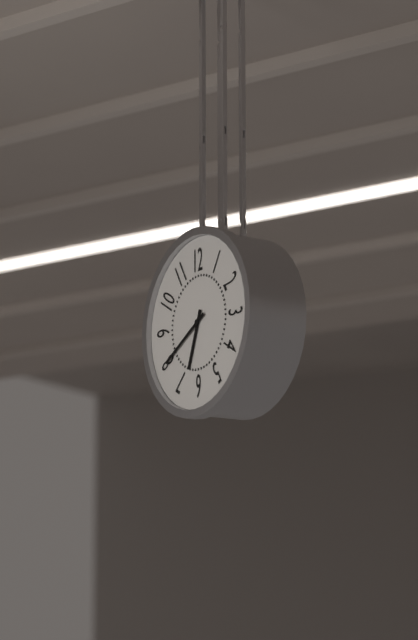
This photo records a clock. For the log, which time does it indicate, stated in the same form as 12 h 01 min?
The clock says 6 h 40 min
